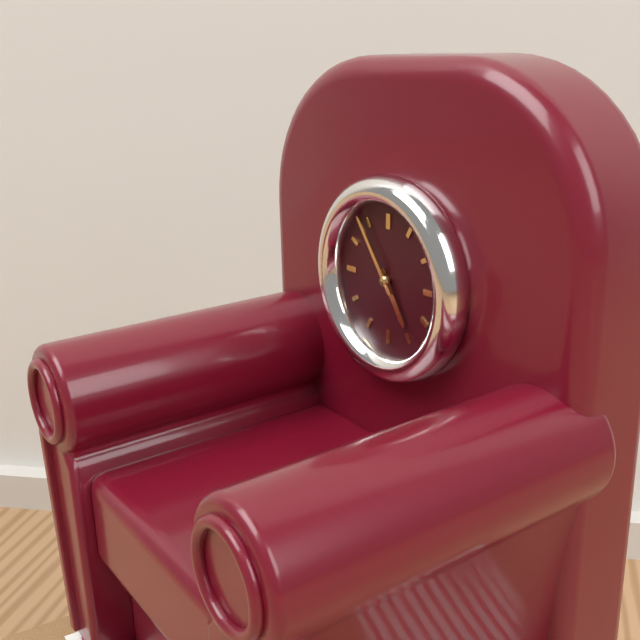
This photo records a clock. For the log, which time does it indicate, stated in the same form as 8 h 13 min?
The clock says 4 h 54 min
